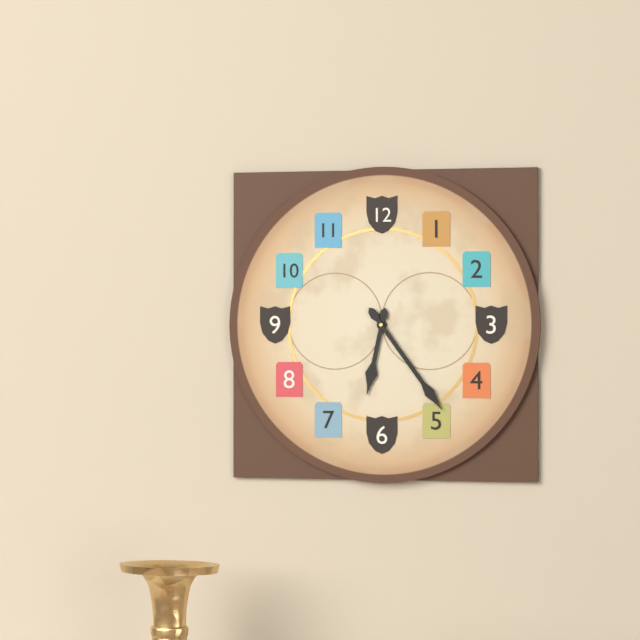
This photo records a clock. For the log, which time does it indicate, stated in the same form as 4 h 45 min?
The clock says 6 h 24 min
